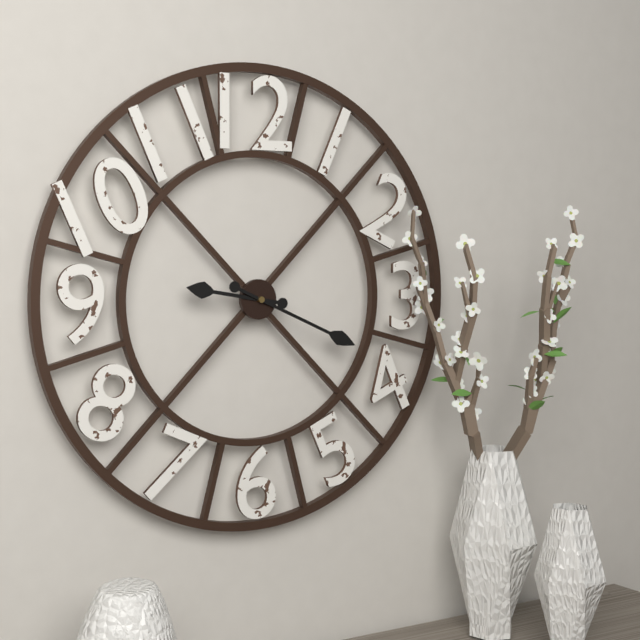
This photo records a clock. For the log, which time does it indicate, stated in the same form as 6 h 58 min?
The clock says 9 h 19 min
